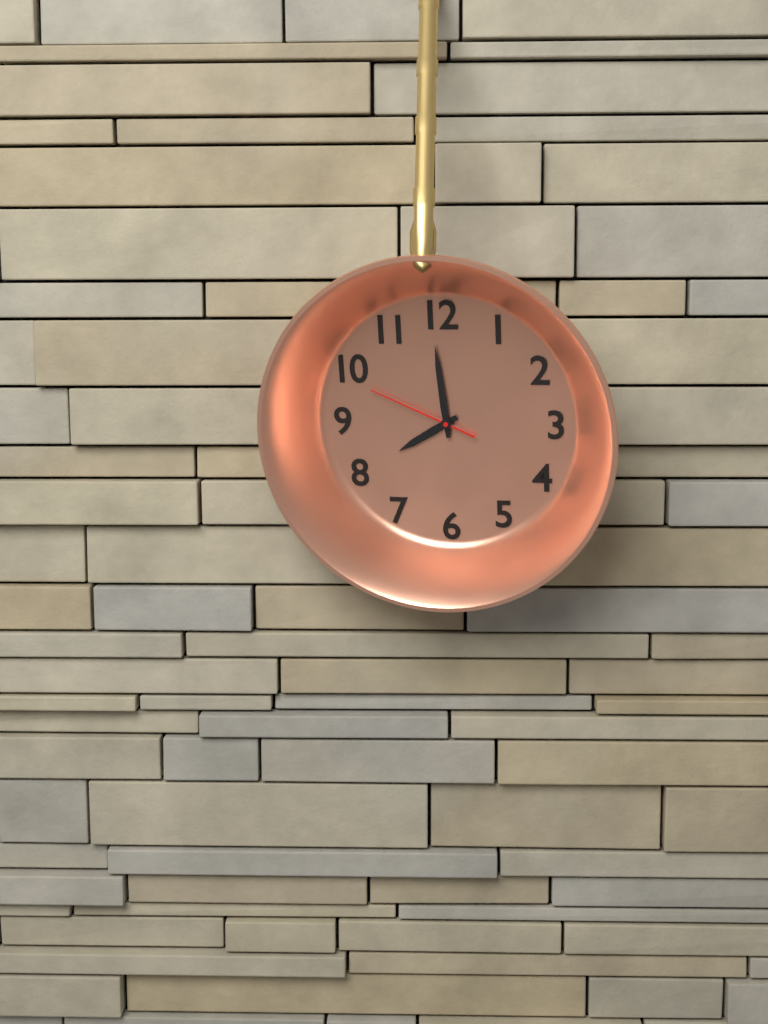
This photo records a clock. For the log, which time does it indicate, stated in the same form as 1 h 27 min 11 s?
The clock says 7 h 59 min 49 s
